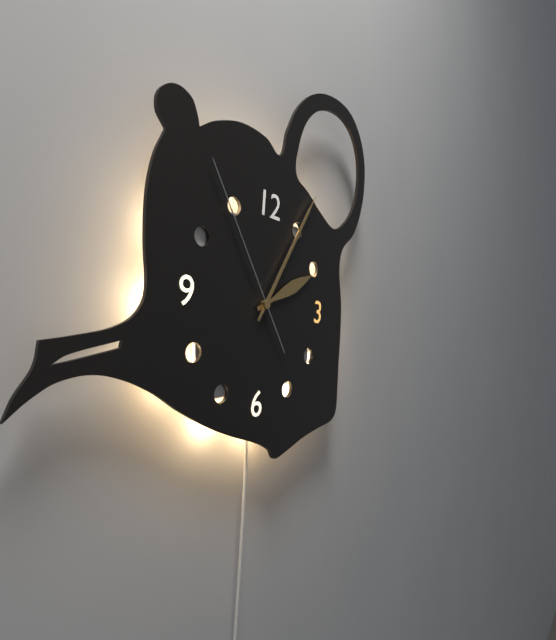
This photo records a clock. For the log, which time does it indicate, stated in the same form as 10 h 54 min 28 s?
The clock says 2 h 05 min 54 s
